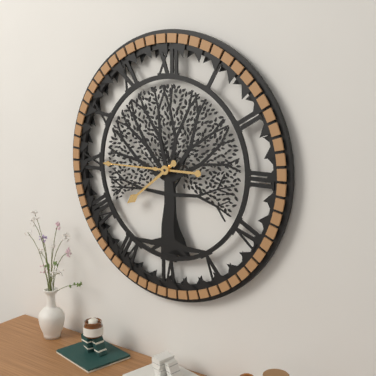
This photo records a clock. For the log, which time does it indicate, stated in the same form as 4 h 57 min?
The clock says 7 h 45 min
